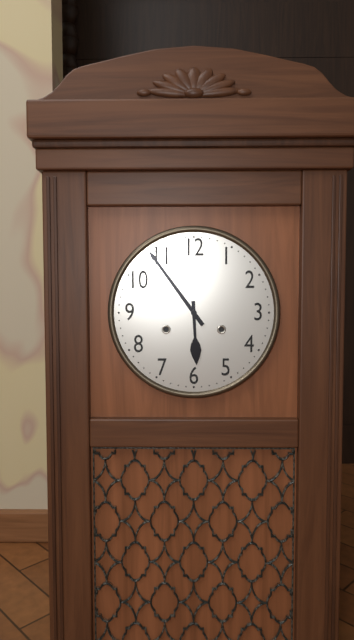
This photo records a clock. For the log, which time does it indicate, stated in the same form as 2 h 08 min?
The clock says 5 h 54 min
